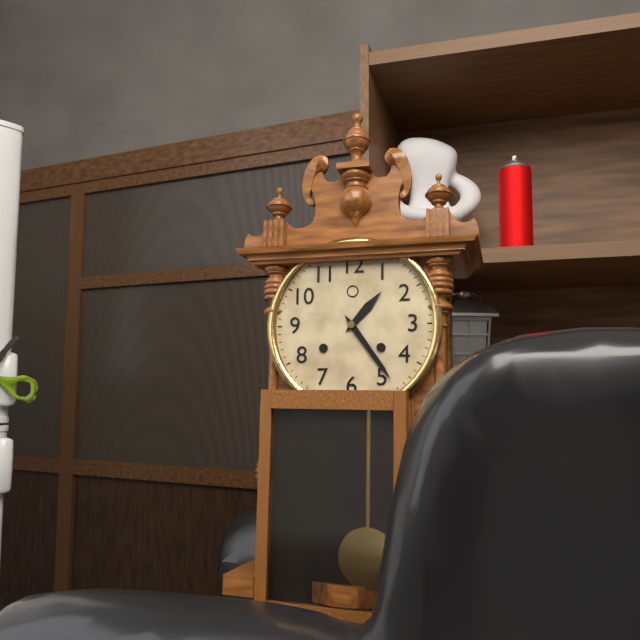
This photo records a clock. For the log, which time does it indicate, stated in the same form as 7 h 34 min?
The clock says 1 h 24 min
